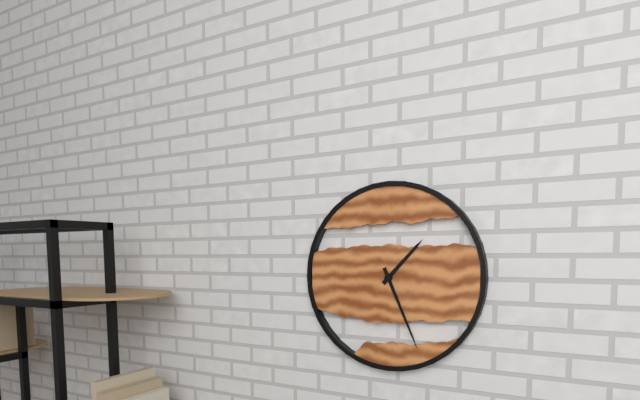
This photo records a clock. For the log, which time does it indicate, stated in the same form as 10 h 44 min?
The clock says 1 h 26 min
